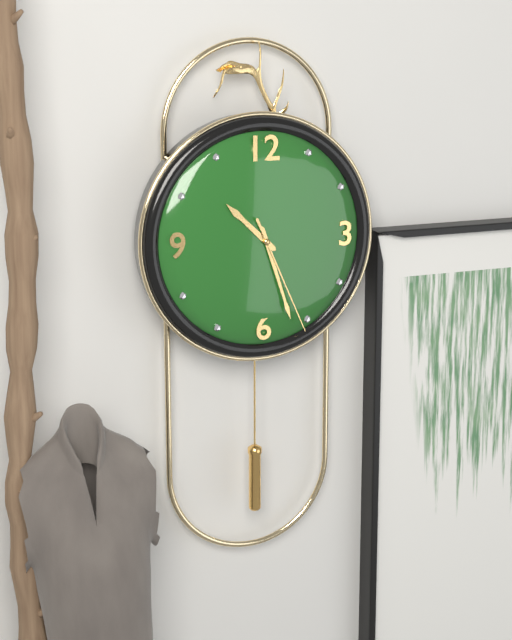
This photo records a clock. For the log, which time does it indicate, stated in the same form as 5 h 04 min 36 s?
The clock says 10 h 27 min 26 s
